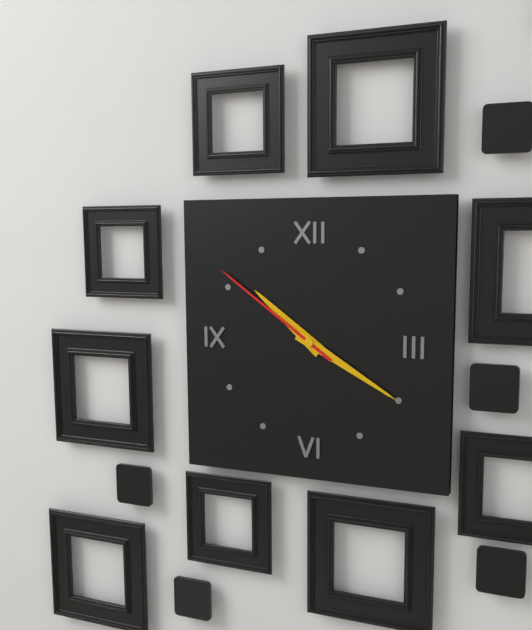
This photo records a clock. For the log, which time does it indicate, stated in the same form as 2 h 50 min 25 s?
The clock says 10 h 20 min 51 s
